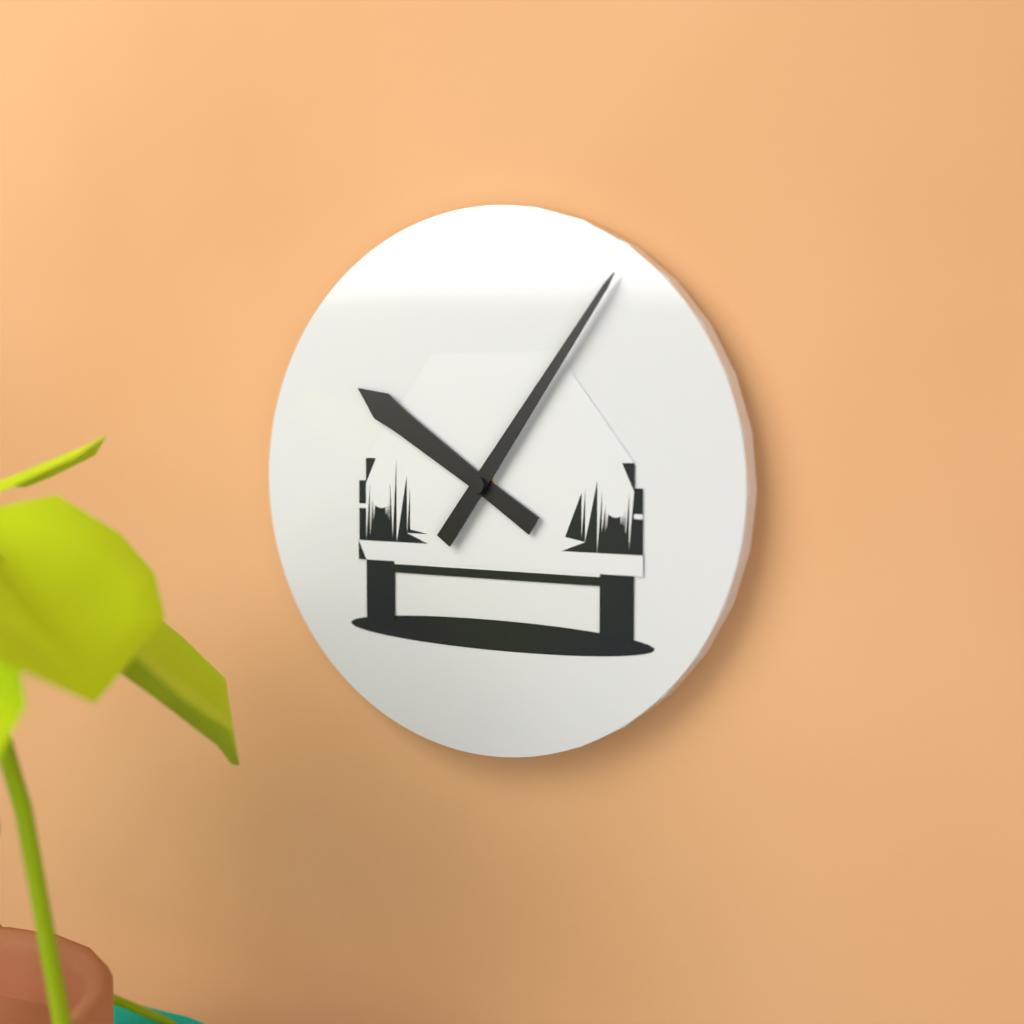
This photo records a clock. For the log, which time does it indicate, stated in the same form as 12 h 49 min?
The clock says 10 h 06 min
